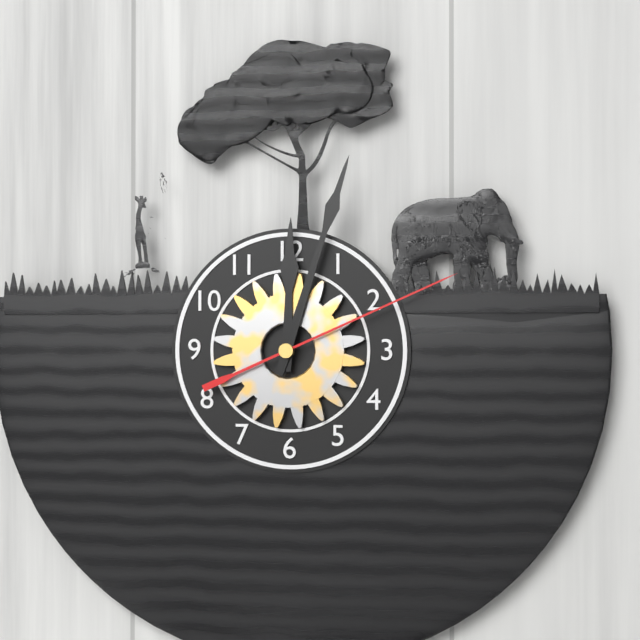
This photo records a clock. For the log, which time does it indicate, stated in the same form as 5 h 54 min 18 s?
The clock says 12 h 03 min 11 s
